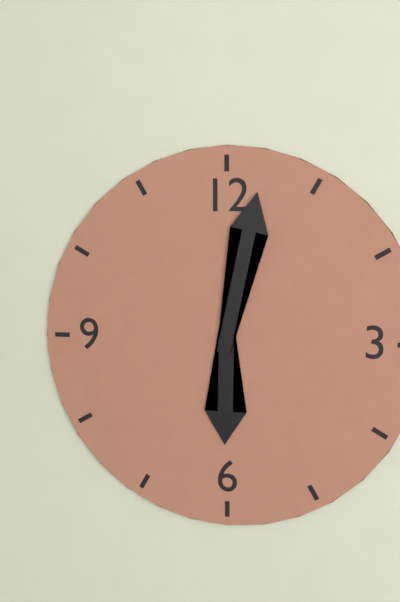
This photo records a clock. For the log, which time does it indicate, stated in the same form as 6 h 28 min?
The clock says 6 h 02 min
